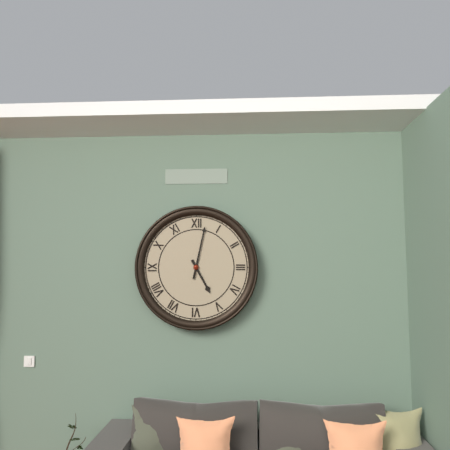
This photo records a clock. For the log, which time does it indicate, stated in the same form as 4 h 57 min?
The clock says 5 h 02 min
